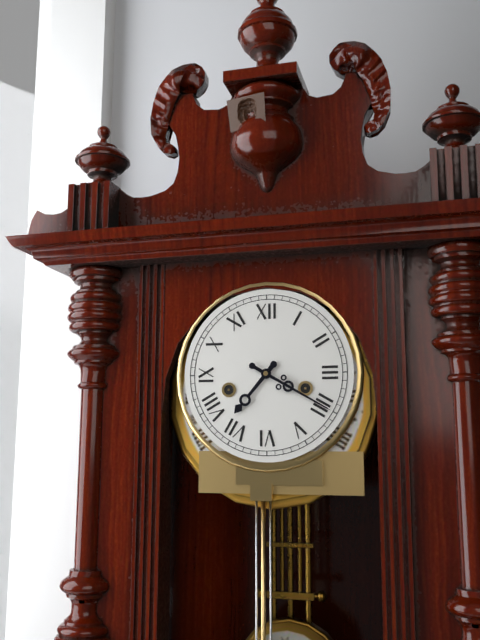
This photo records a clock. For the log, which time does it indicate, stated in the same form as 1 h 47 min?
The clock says 7 h 20 min
